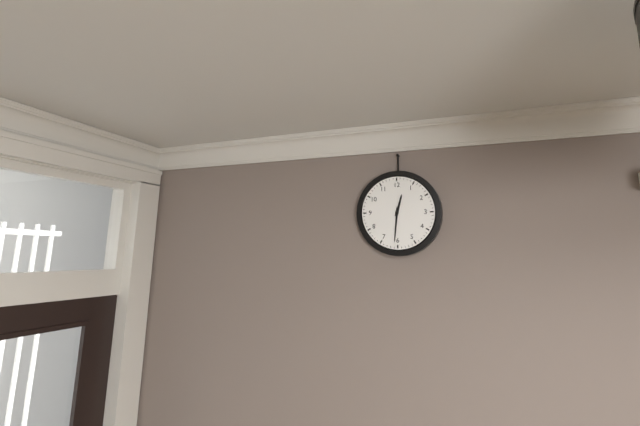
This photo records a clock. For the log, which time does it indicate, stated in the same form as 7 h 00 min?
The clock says 12 h 31 min
